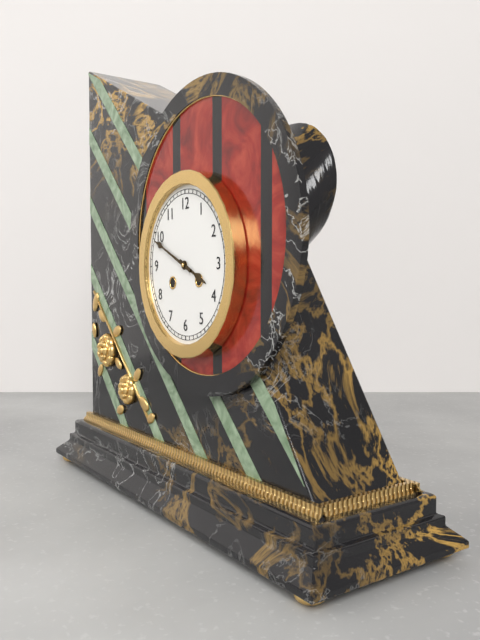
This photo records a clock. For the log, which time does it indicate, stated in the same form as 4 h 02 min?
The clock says 3 h 49 min
